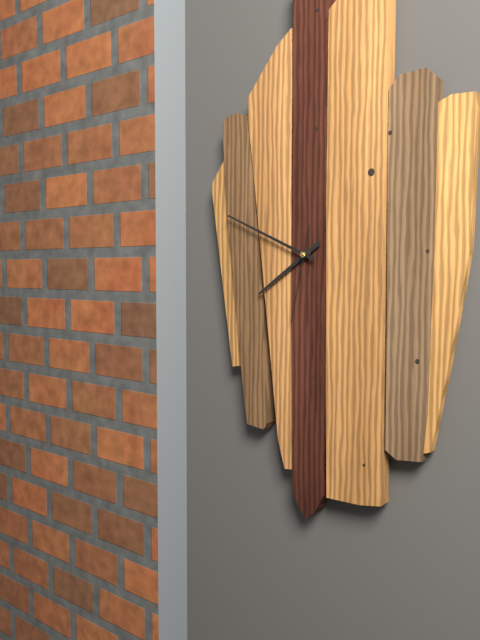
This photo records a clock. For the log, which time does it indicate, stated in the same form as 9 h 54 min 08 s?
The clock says 7 h 49 min 32 s
